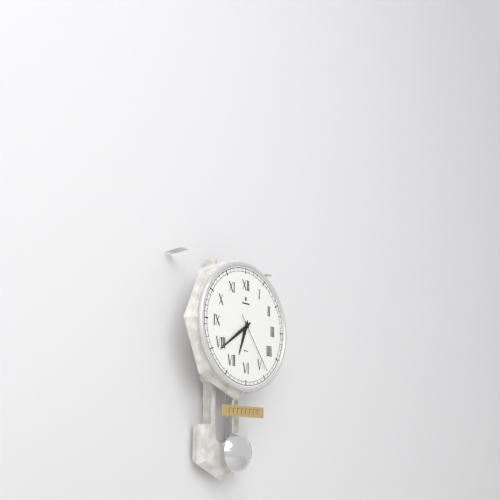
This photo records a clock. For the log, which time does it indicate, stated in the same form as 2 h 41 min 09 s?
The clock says 6 h 39 min 24 s
